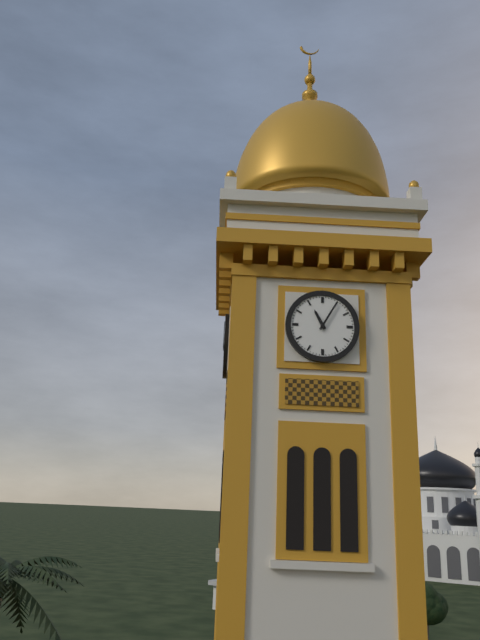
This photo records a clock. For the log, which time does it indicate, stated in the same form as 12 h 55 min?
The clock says 11 h 05 min
